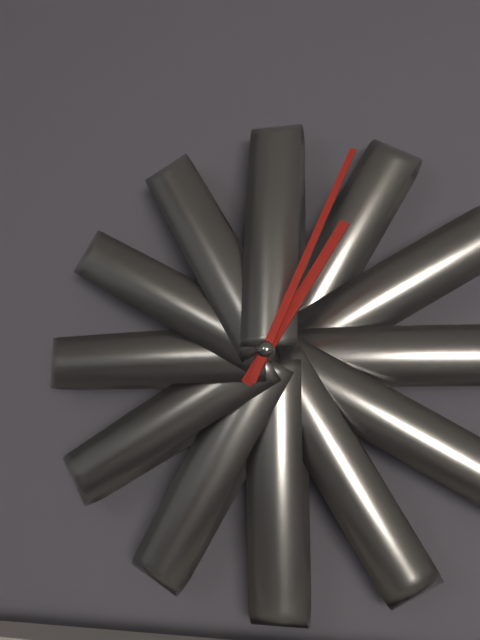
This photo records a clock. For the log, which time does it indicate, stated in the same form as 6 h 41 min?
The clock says 1 h 04 min
